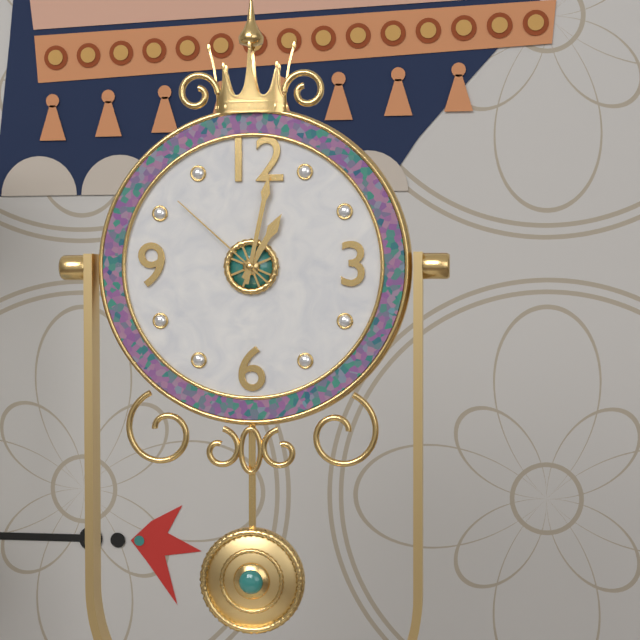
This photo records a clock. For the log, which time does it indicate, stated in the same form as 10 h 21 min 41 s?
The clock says 1 h 02 min 52 s
